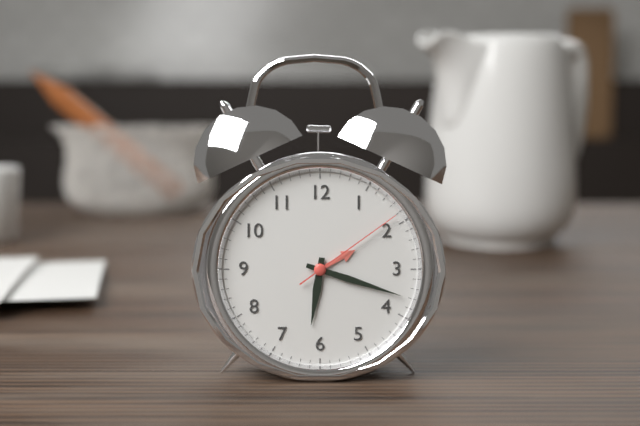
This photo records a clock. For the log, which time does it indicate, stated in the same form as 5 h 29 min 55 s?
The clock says 6 h 18 min 09 s
